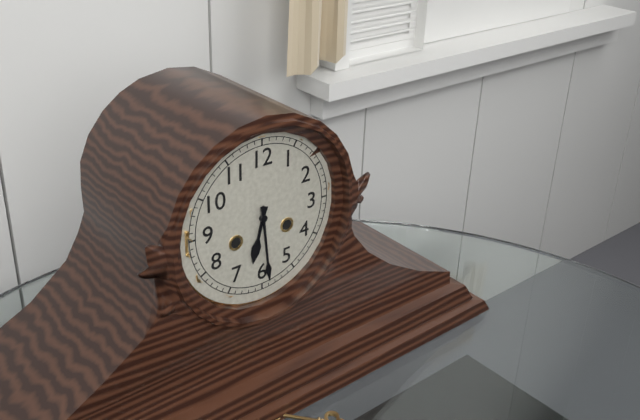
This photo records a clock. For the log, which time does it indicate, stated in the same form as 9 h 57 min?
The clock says 6 h 29 min
